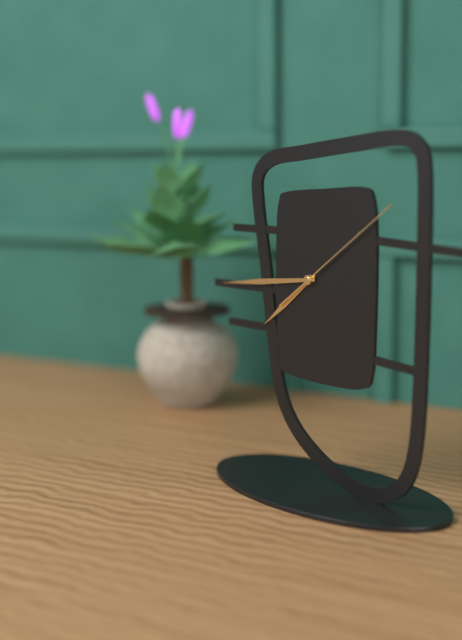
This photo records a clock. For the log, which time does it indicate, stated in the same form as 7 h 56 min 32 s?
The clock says 7 h 44 min 09 s
